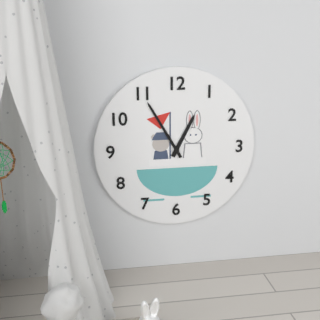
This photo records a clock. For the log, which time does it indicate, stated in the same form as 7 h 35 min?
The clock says 12 h 55 min
